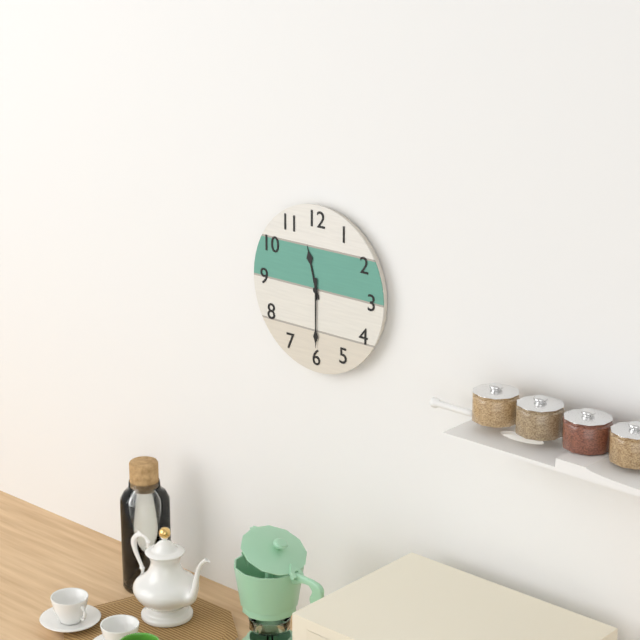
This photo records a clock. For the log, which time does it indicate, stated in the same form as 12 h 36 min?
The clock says 11 h 30 min
